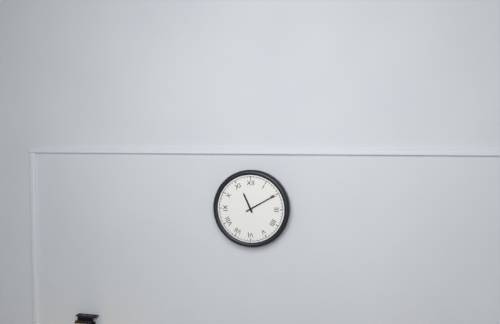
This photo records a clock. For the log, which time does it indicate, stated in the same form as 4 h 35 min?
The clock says 11 h 10 min
